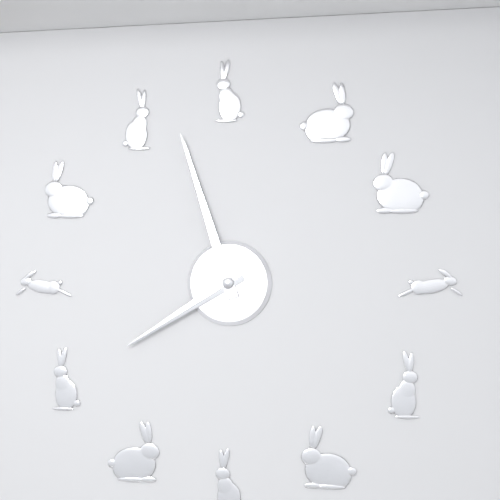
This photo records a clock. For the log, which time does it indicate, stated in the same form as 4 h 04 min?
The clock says 7 h 57 min
